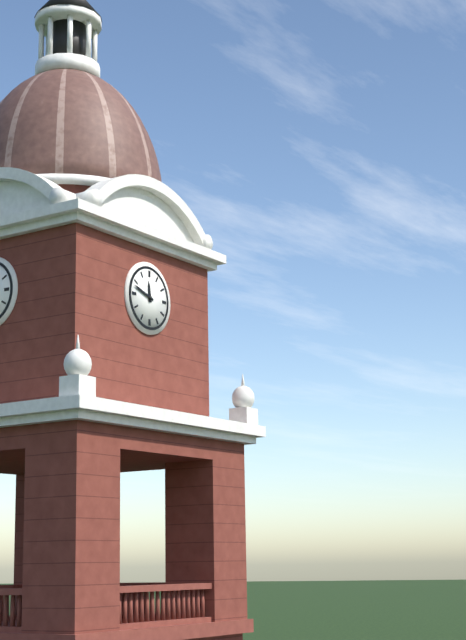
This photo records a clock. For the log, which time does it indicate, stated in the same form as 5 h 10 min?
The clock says 11 h 48 min
